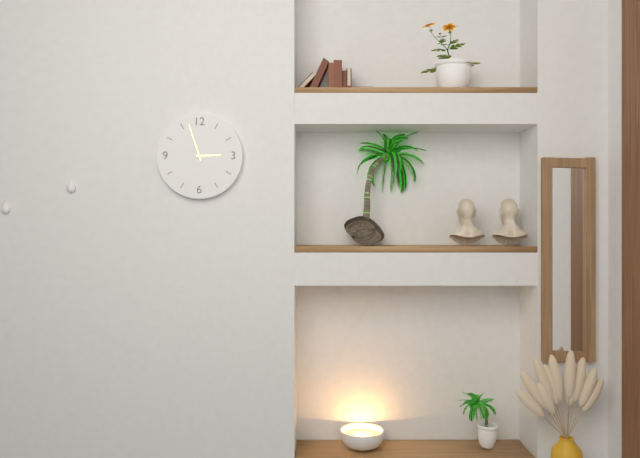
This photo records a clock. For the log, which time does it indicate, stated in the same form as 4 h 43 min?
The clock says 2 h 57 min
